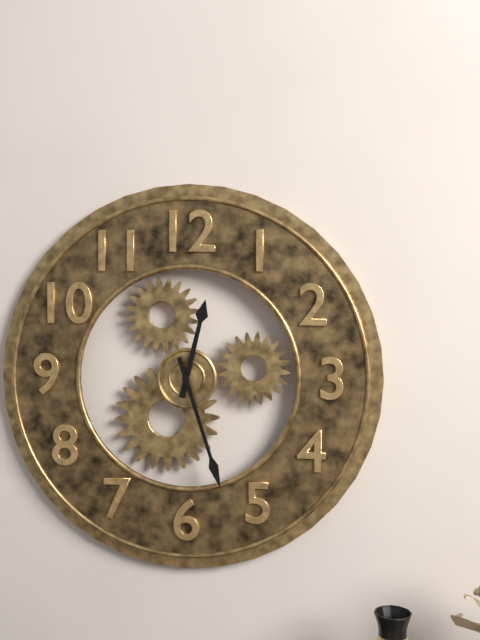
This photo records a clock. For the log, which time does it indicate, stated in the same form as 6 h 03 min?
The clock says 12 h 27 min
